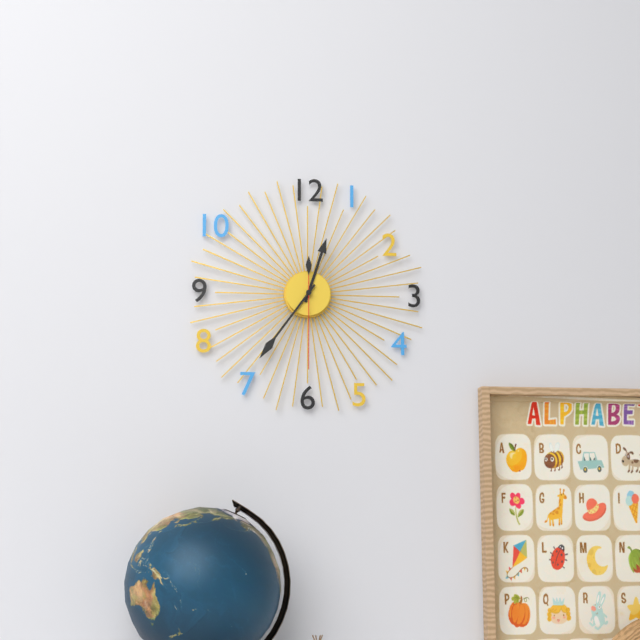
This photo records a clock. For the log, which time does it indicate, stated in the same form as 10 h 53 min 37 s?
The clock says 12 h 36 min 30 s
